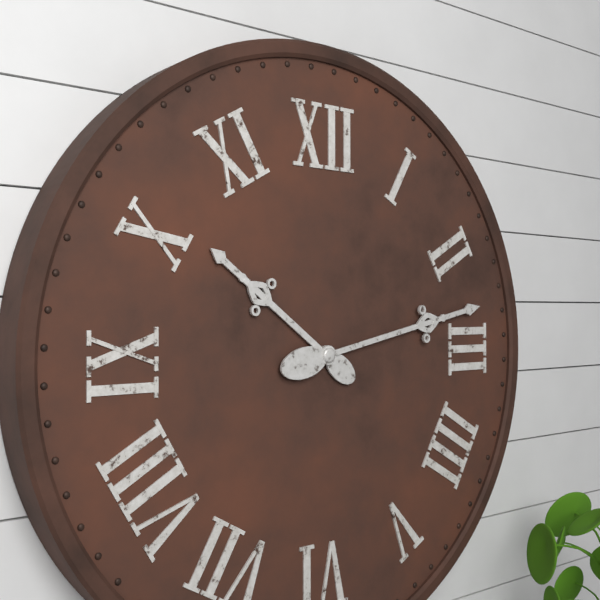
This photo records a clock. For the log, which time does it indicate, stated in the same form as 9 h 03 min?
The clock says 10 h 13 min
